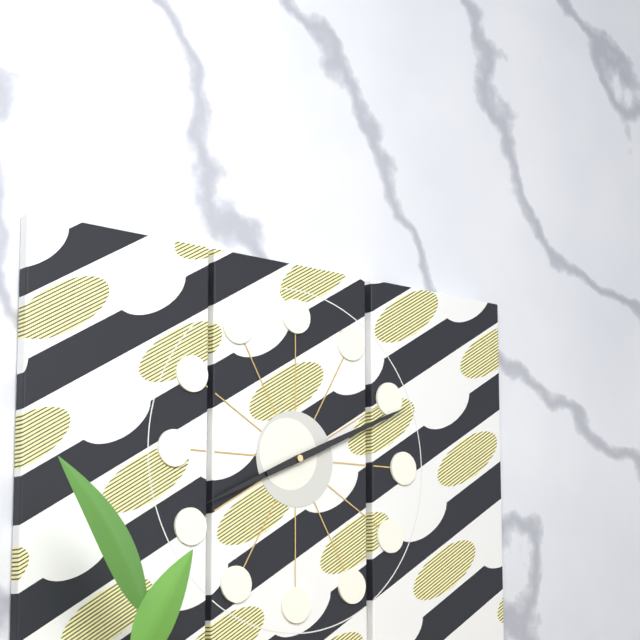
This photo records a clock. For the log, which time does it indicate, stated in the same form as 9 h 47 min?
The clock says 8 h 11 min
